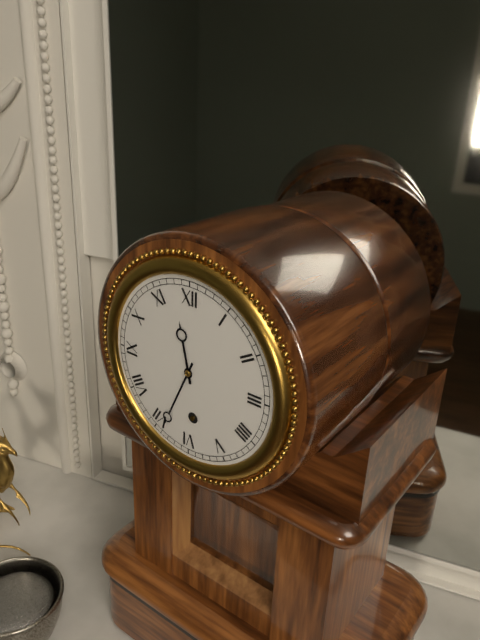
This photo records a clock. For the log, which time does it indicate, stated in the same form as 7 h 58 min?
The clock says 11 h 34 min
